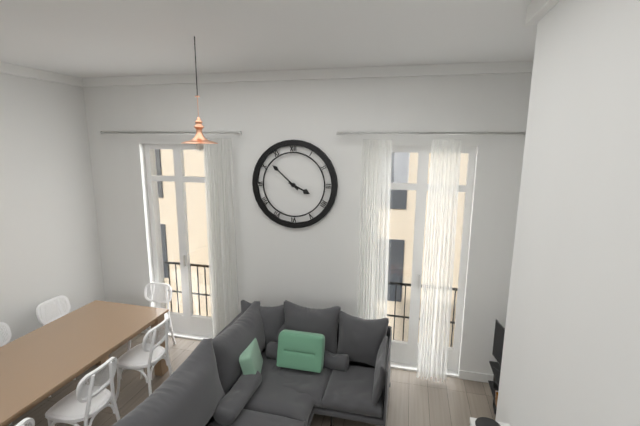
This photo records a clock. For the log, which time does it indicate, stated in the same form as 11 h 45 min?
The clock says 3 h 52 min
